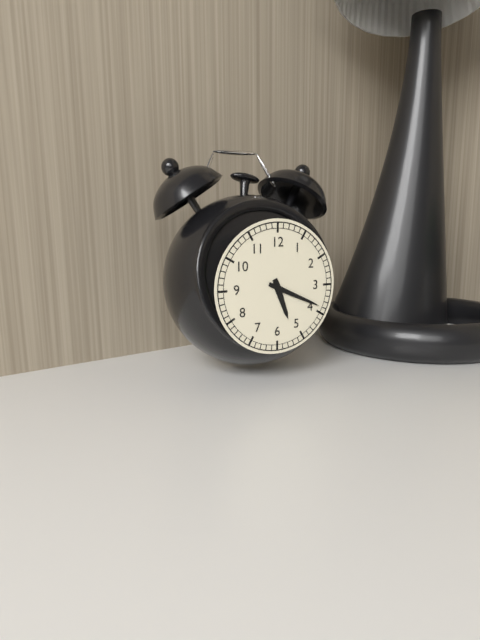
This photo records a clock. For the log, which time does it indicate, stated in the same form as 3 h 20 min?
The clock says 5 h 19 min
